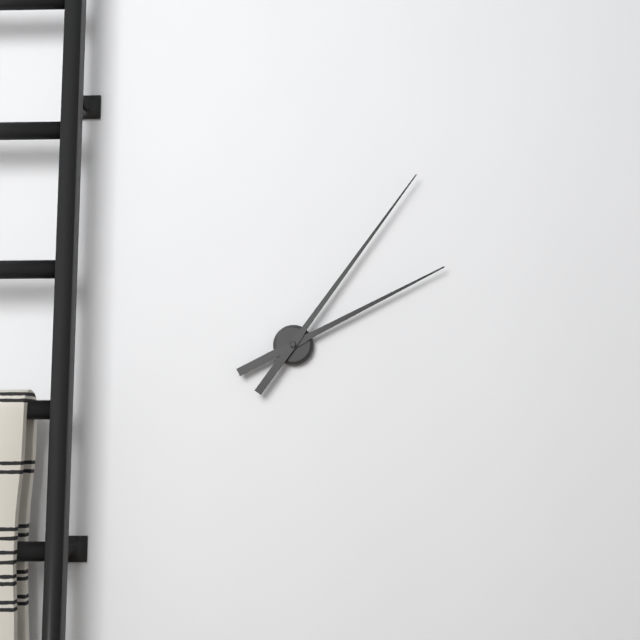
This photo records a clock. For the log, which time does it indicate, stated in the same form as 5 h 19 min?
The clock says 2 h 06 min
